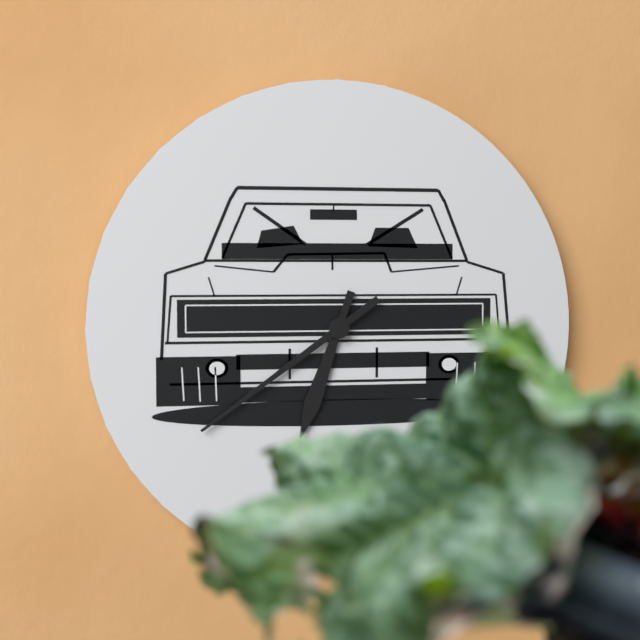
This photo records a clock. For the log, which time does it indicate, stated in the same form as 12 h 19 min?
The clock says 6 h 39 min
